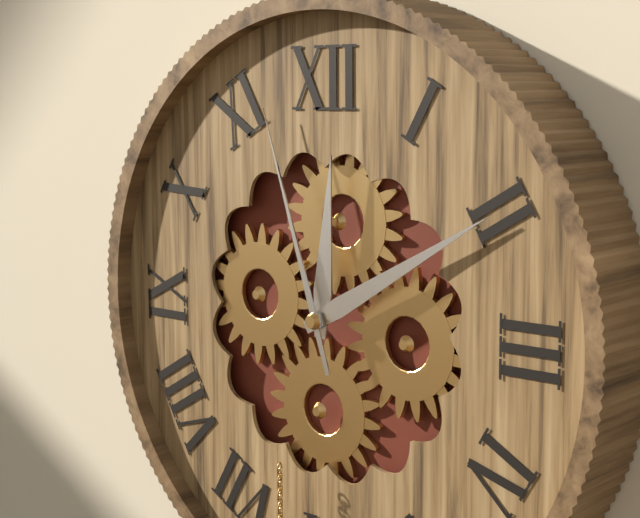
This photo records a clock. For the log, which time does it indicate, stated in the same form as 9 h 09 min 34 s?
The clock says 12 h 10 min 57 s
